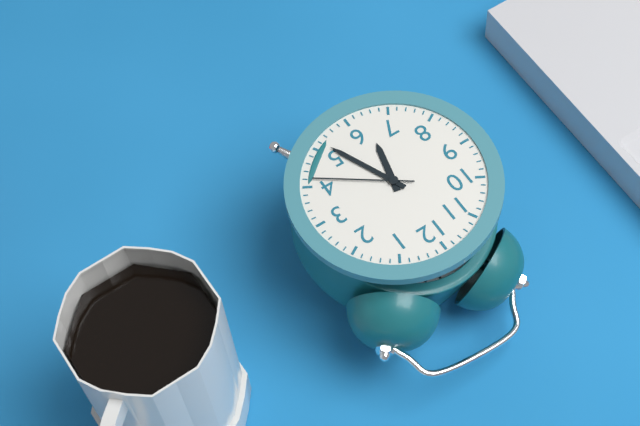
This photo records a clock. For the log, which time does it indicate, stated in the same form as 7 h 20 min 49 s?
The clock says 6 h 26 min 21 s
